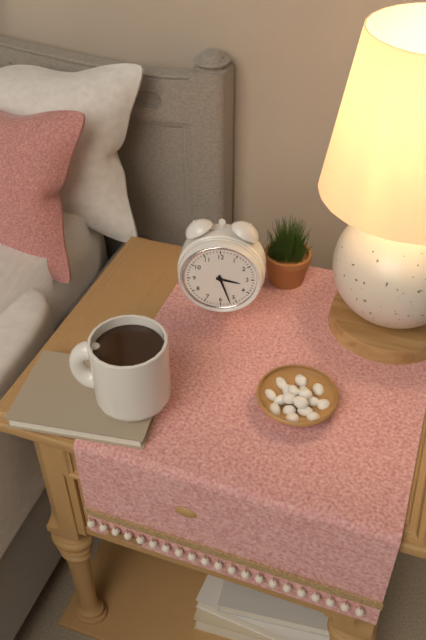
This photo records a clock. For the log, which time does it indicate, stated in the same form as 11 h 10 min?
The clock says 3 h 27 min
